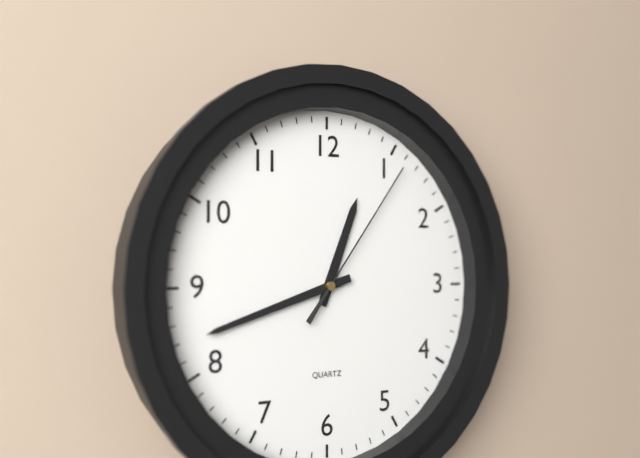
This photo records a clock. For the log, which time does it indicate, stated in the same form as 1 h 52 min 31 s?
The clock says 12 h 42 min 06 s
